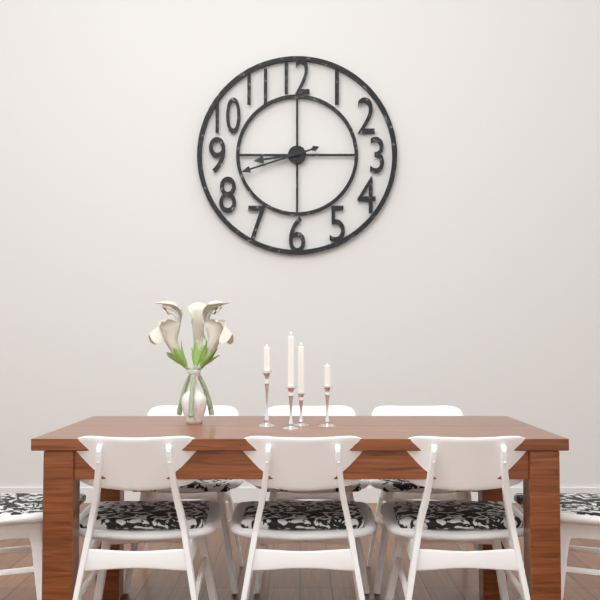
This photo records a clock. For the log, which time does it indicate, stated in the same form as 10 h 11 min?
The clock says 8 h 42 min
